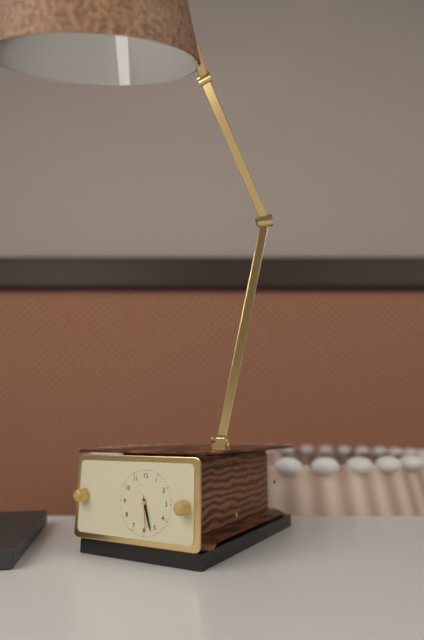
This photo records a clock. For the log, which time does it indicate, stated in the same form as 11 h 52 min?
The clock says 5 h 27 min
